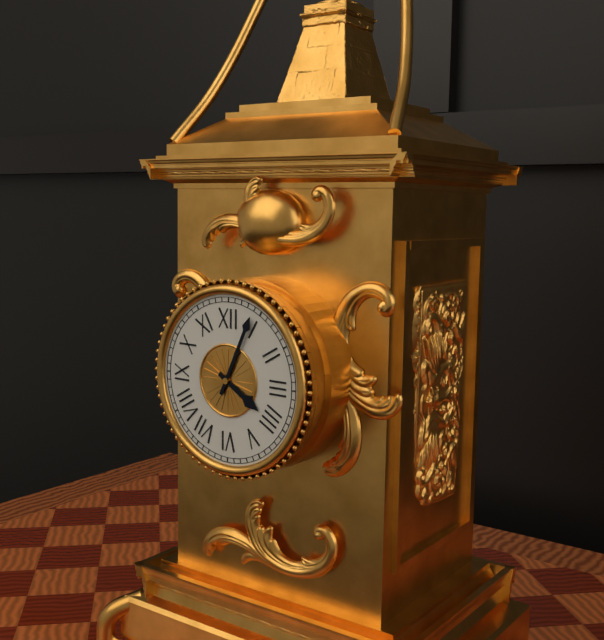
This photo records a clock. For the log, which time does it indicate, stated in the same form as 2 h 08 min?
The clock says 4 h 04 min
